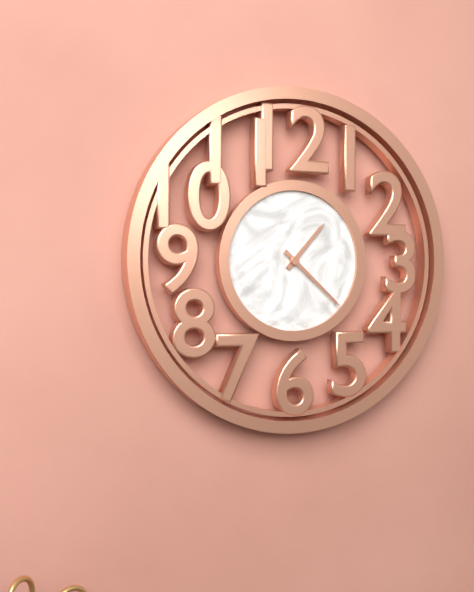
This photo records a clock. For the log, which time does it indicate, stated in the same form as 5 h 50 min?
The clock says 1 h 22 min
